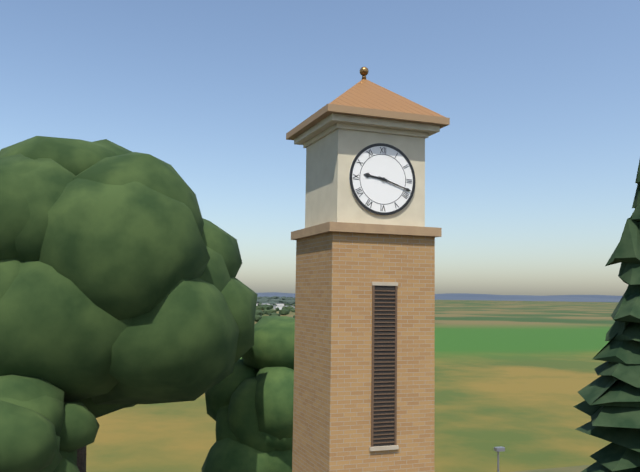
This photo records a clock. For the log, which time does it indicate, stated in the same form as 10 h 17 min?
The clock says 9 h 18 min
